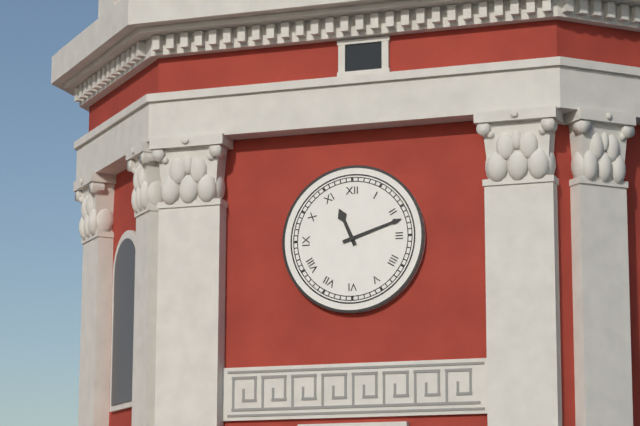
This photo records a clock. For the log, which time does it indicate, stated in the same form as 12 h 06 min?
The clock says 11 h 12 min
